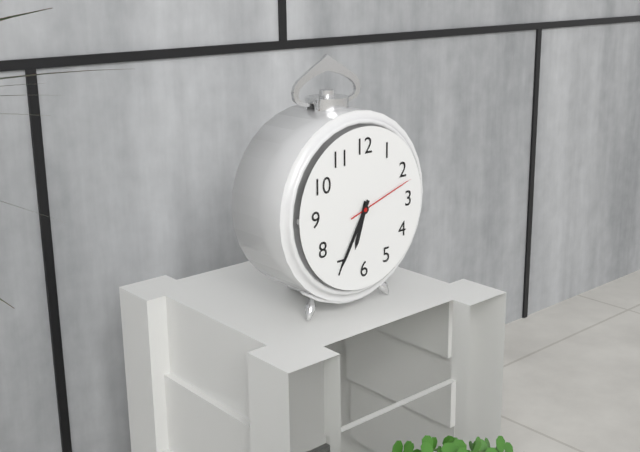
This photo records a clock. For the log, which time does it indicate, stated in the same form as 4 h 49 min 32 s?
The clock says 6 h 35 min 12 s
